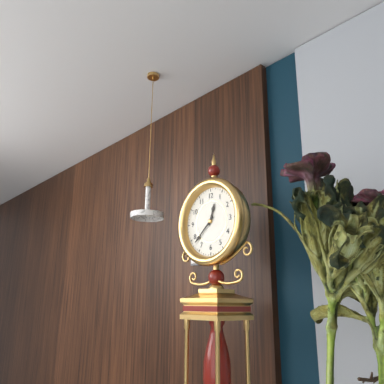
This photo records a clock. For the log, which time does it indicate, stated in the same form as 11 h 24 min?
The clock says 12 h 38 min
